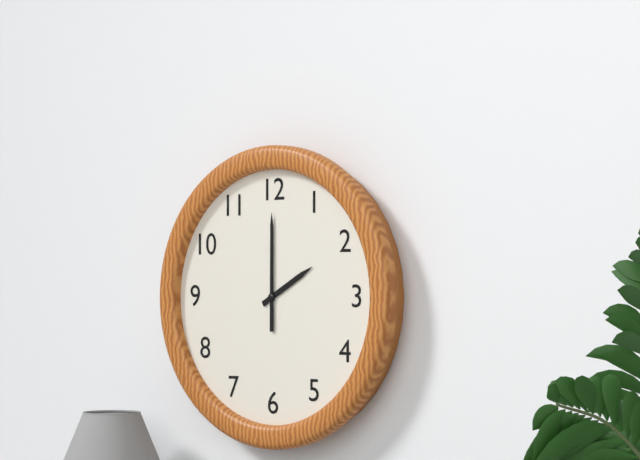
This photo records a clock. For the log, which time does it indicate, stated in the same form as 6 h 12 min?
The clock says 2 h 00 min
